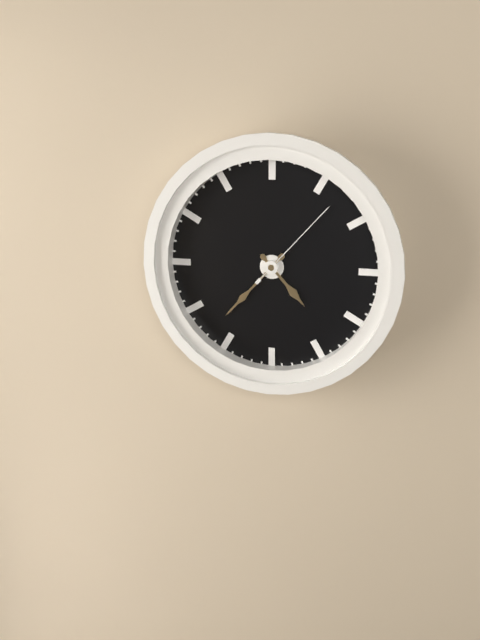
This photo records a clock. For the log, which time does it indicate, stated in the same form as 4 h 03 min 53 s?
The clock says 4 h 37 min 07 s
